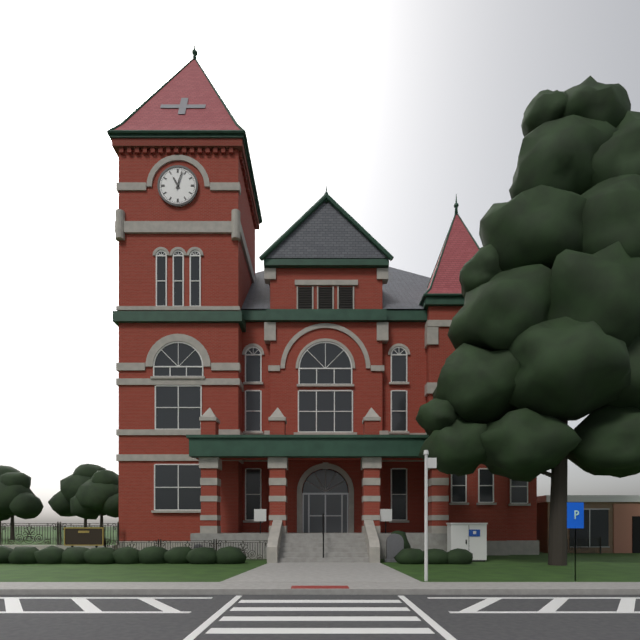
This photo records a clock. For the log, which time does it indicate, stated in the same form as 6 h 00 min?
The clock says 11 h 03 min
